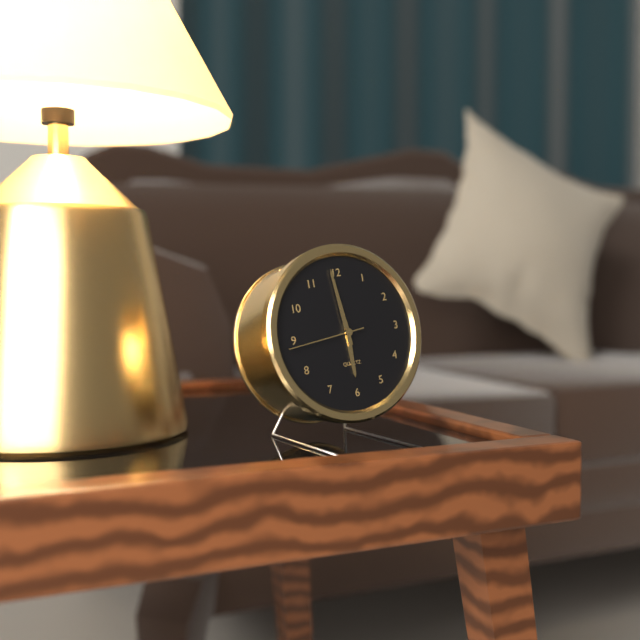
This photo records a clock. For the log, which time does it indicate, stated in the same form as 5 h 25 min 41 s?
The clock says 5 h 59 min 44 s
